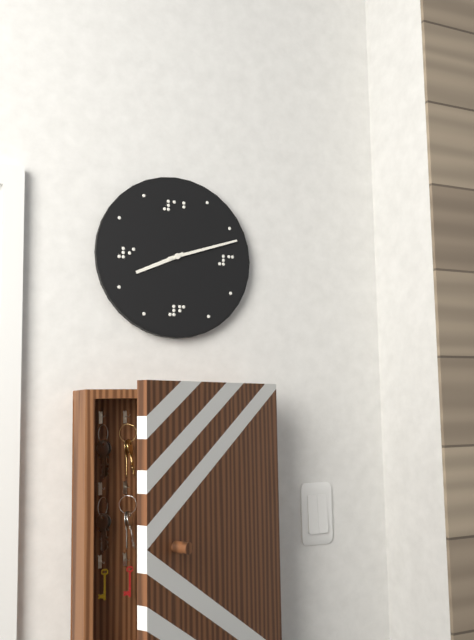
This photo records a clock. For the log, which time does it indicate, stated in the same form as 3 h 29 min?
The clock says 8 h 12 min
